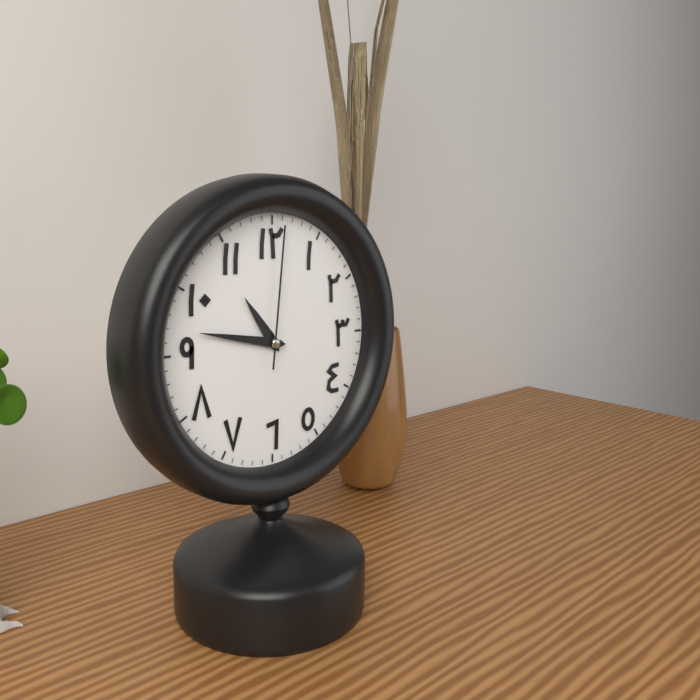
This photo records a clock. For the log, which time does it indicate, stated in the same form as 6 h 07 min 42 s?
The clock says 10 h 47 min 01 s
